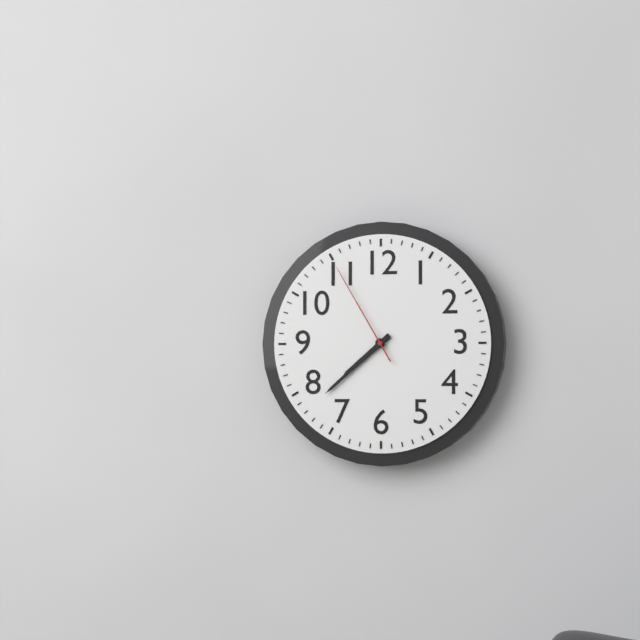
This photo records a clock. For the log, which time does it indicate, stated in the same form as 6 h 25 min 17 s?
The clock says 7 h 38 min 55 s
